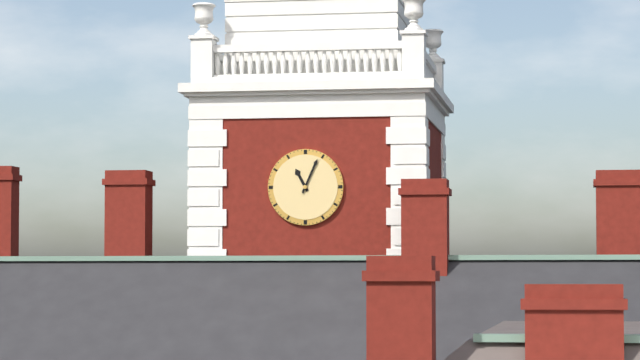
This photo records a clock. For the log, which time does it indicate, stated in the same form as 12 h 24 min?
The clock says 11 h 04 min
